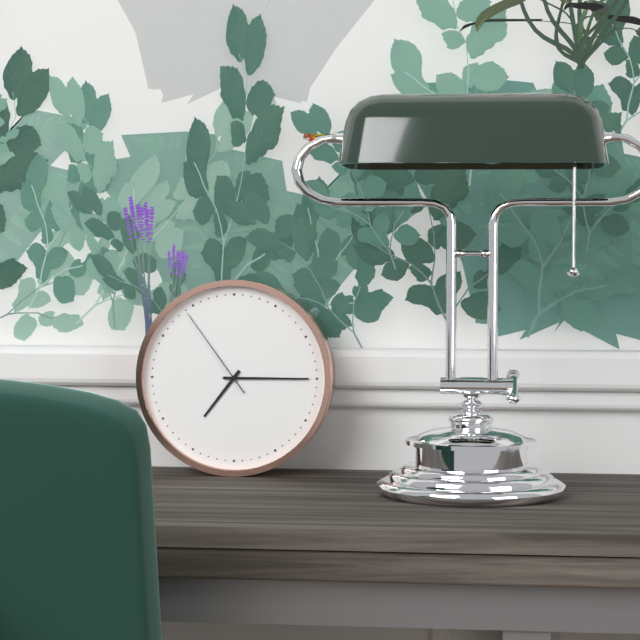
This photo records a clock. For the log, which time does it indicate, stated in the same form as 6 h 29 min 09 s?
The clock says 7 h 15 min 54 s
